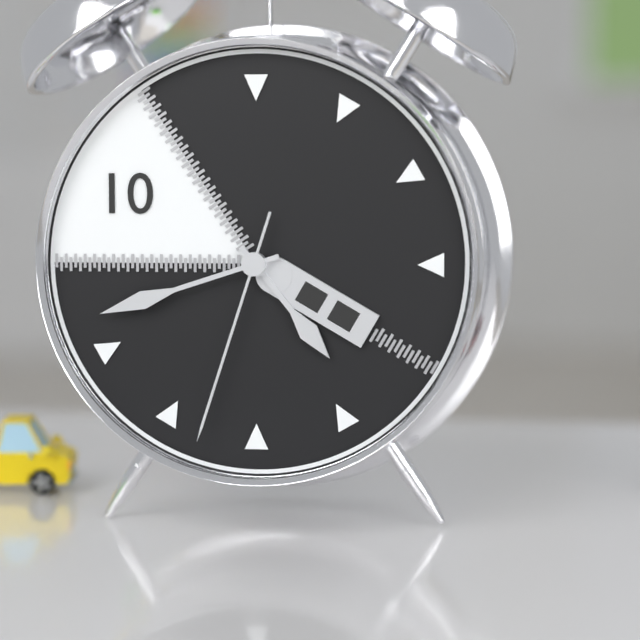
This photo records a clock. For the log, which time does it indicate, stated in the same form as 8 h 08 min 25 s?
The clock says 4 h 42 min 33 s
